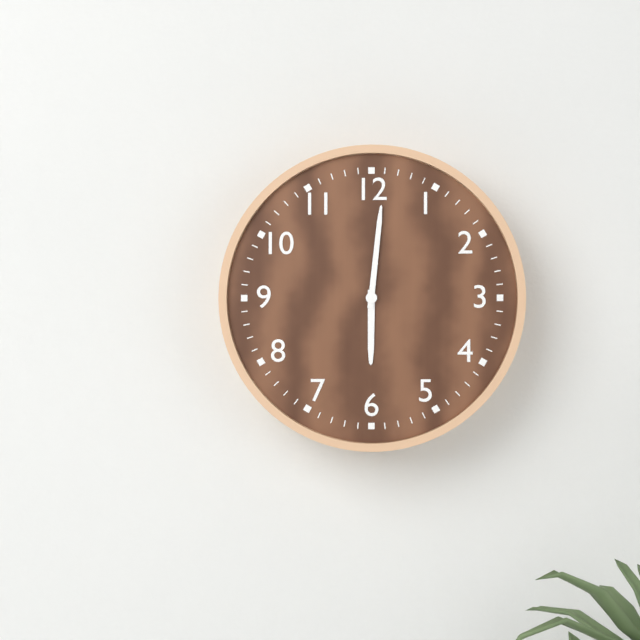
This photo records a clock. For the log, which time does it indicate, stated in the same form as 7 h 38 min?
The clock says 6 h 01 min
